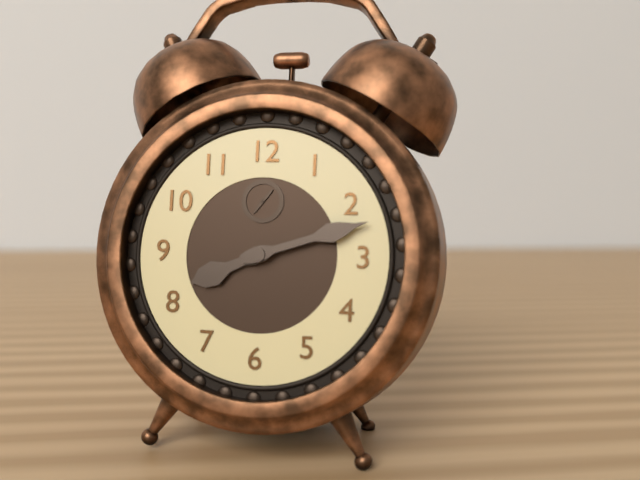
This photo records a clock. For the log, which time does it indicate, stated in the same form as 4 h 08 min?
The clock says 8 h 12 min
